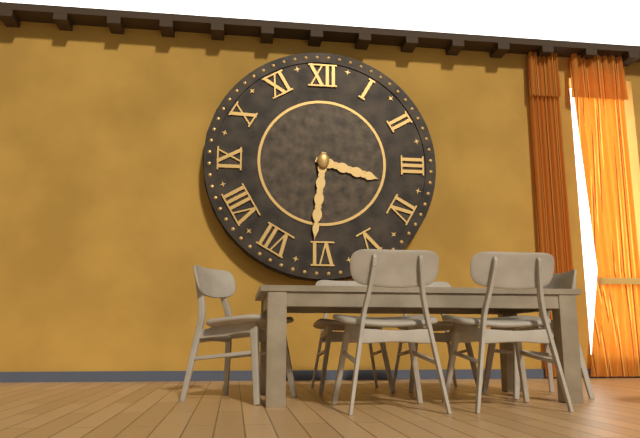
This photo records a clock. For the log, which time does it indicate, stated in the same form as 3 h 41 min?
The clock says 3 h 31 min
